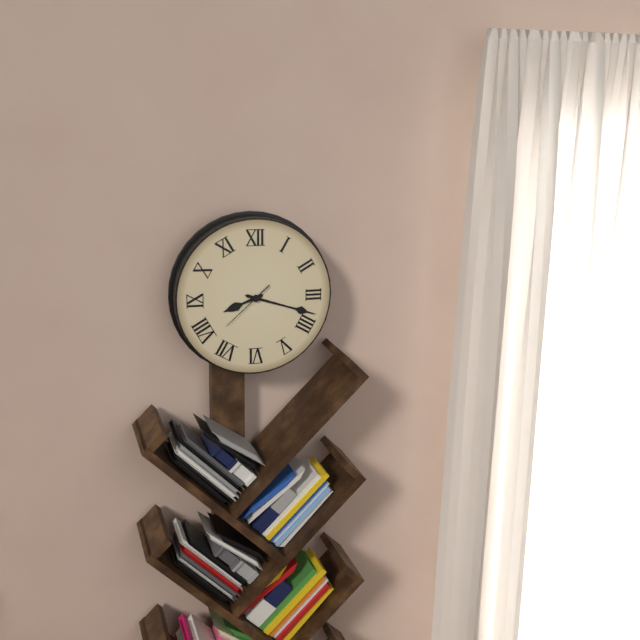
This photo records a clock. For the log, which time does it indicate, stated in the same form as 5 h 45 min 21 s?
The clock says 8 h 18 min 38 s
